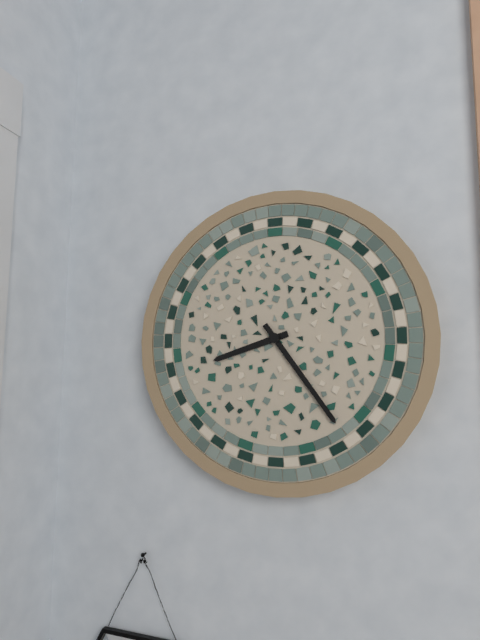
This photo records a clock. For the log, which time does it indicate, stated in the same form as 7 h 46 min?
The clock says 8 h 24 min
